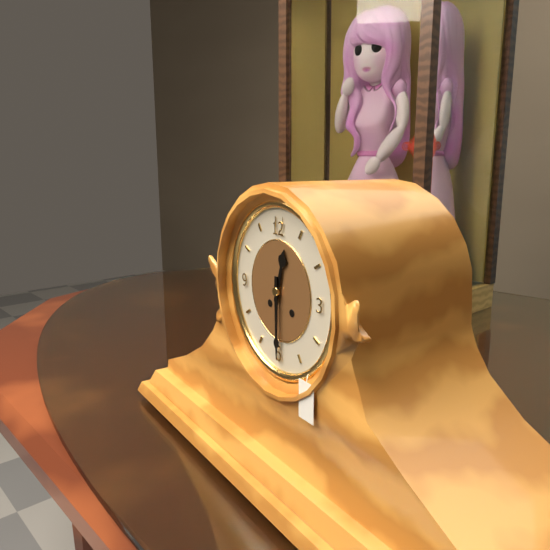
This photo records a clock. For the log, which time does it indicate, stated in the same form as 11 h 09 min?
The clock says 12 h 30 min
